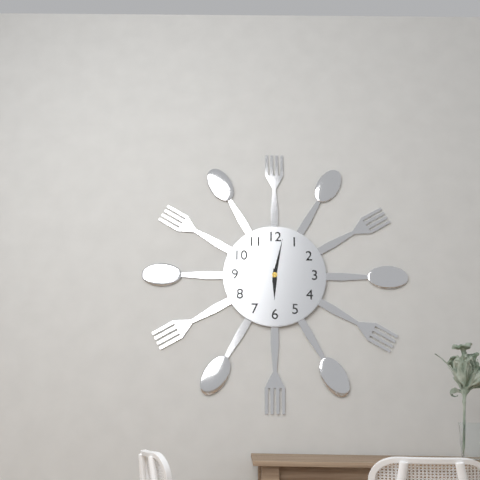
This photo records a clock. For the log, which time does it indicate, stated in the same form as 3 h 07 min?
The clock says 6 h 02 min
